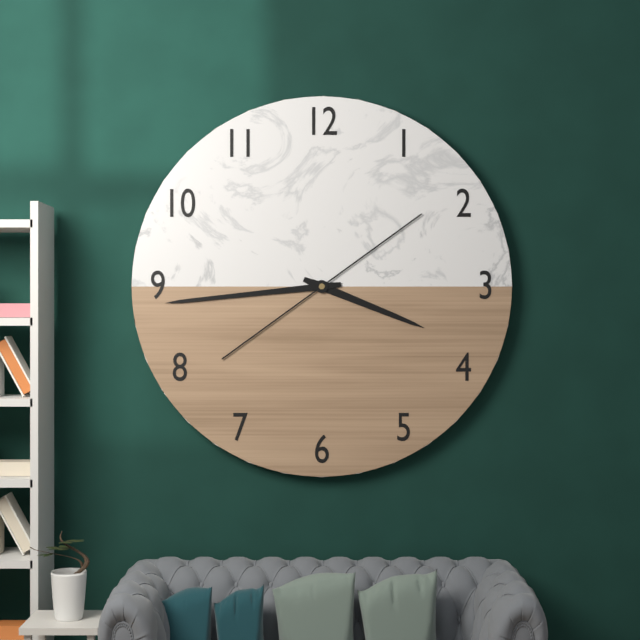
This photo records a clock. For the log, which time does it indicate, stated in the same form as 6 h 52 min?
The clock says 3 h 44 min
